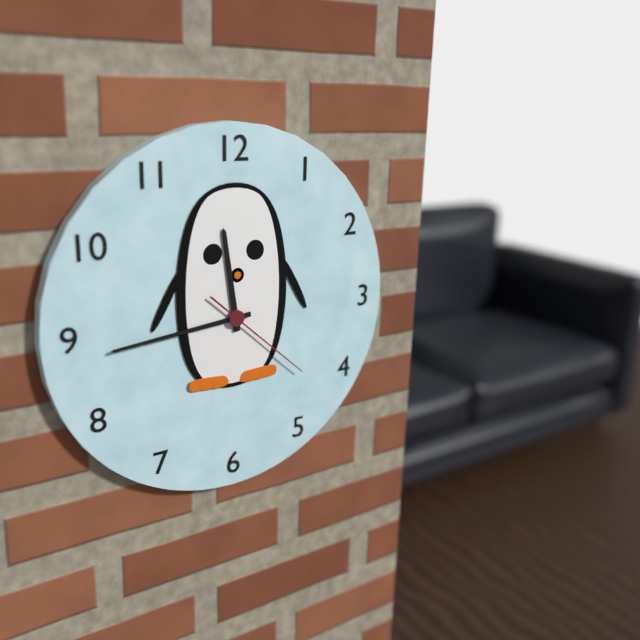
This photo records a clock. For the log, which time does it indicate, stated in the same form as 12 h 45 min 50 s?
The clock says 11 h 44 min 22 s
